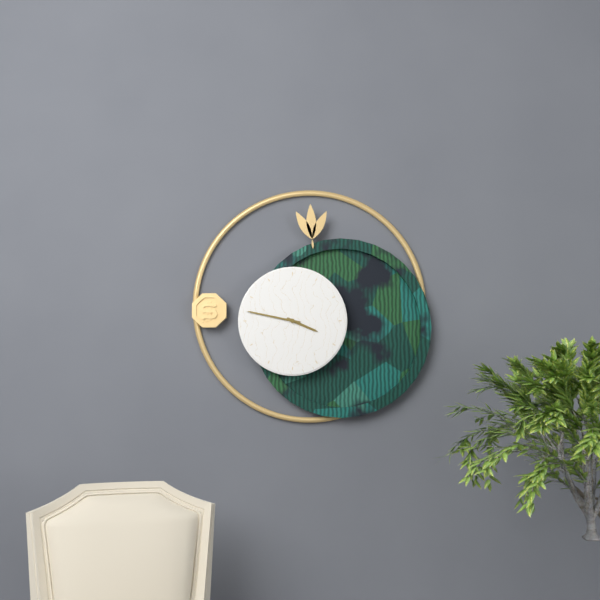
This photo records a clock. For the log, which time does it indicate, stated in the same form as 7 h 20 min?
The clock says 3 h 47 min
